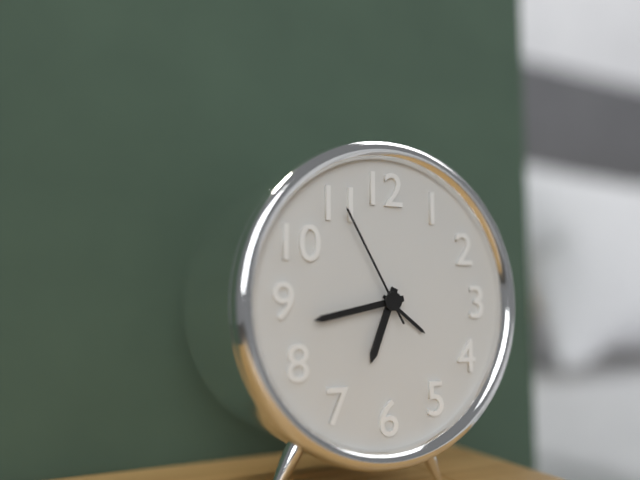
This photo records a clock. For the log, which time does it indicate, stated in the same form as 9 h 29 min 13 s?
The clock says 6 h 43 min 55 s
